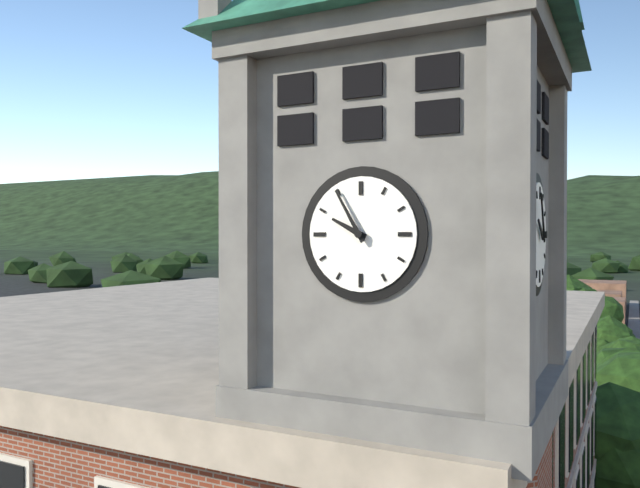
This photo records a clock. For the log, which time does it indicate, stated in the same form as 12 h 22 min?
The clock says 9 h 55 min
